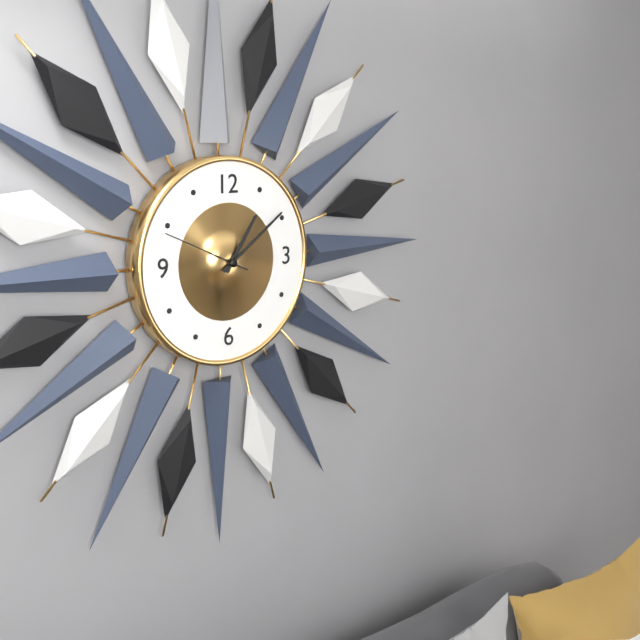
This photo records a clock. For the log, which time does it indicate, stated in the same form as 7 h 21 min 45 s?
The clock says 1 h 09 min 49 s
